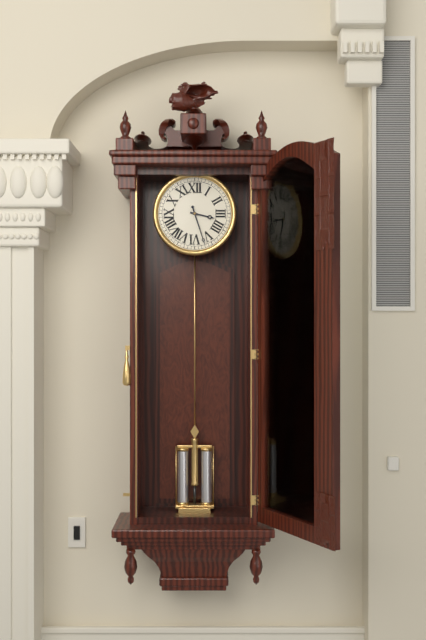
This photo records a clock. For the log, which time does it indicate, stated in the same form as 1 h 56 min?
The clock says 3 h 27 min
